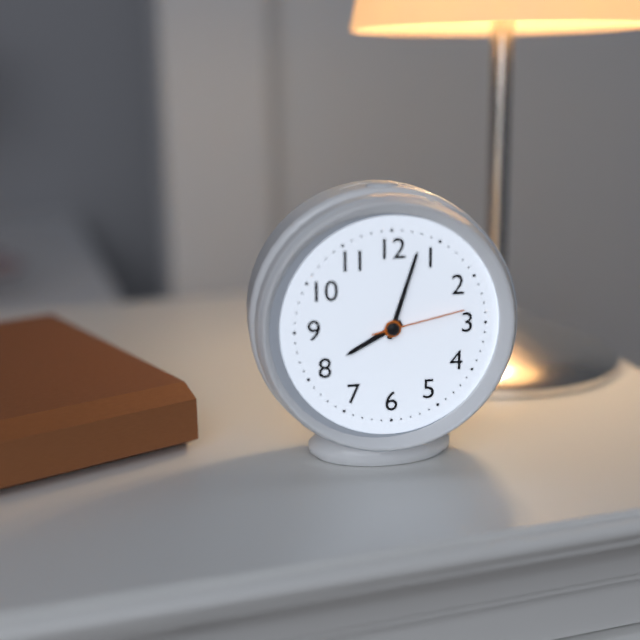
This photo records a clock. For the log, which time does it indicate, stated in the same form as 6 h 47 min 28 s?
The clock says 8 h 03 min 13 s
